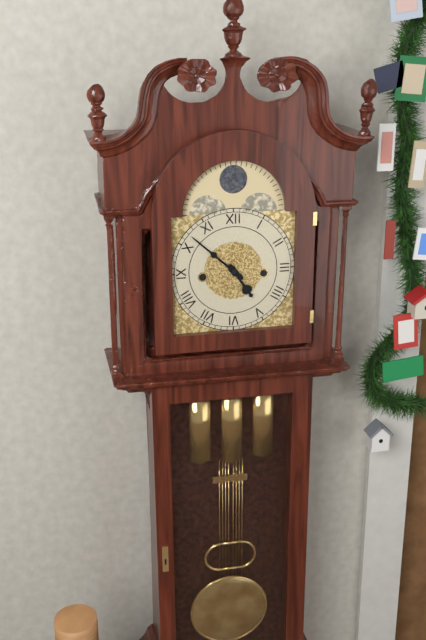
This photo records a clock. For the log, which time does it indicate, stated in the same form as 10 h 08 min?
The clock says 4 h 52 min
